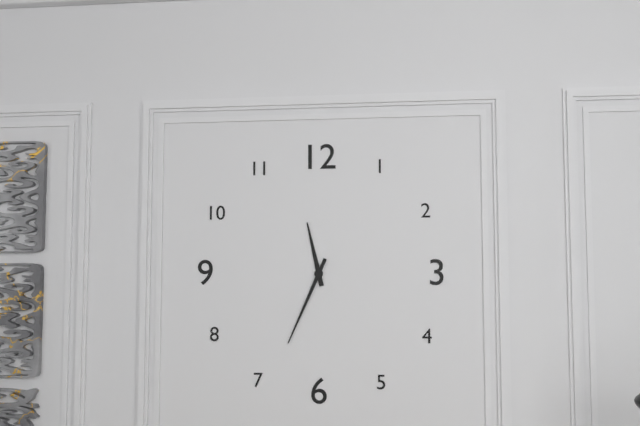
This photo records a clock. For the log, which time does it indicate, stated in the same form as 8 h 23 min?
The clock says 11 h 34 min
